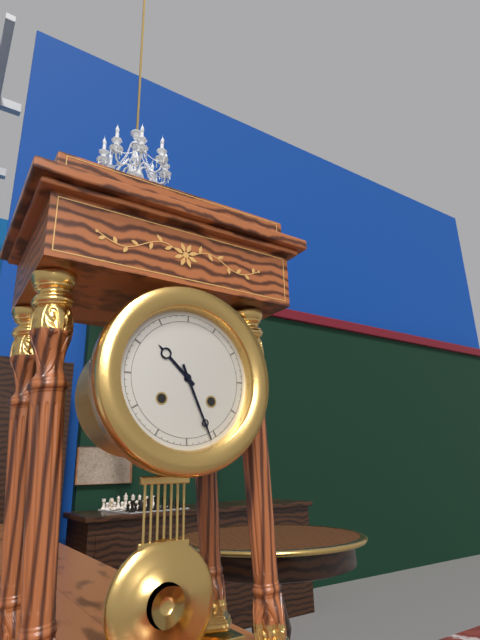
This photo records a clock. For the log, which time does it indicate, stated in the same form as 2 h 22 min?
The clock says 10 h 26 min
